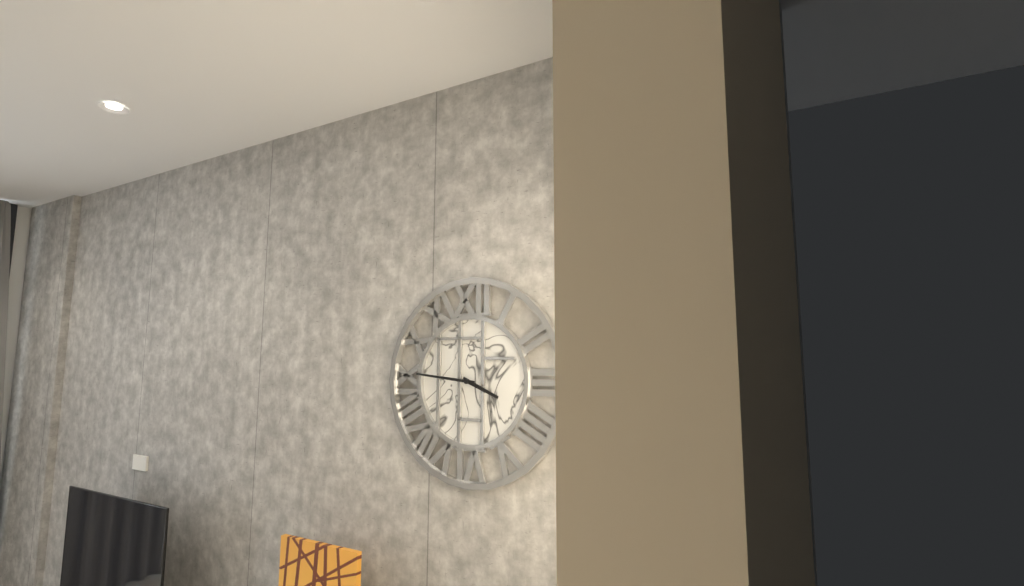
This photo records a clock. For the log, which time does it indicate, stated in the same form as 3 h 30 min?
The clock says 3 h 46 min
